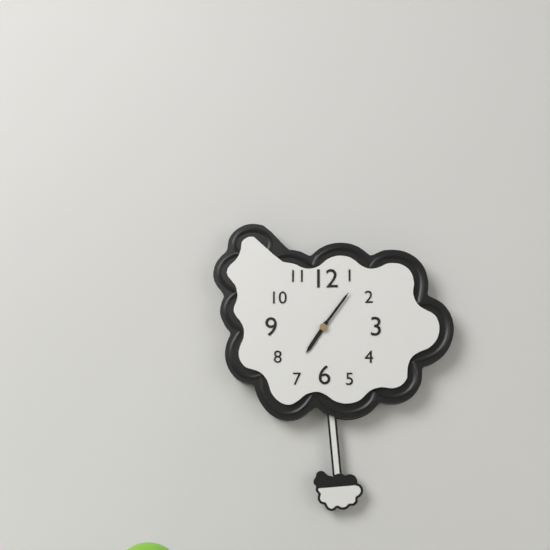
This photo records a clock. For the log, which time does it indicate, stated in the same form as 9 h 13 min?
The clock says 7 h 06 min
